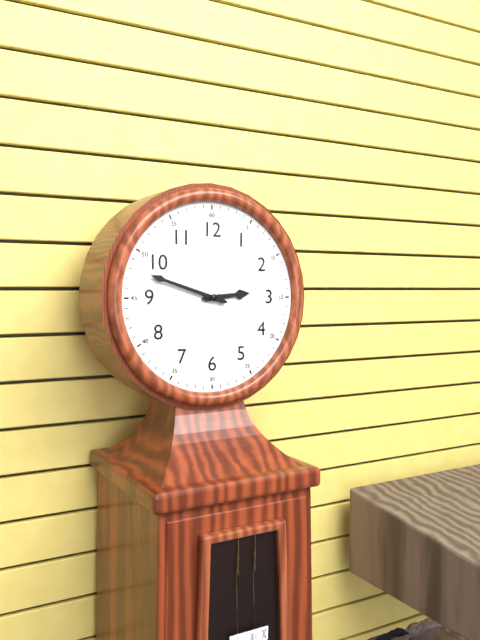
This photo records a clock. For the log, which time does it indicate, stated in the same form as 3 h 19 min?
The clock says 2 h 48 min
